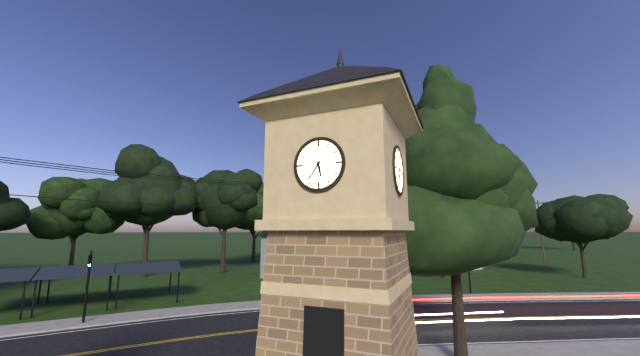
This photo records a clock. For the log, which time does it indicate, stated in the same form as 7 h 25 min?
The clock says 5 h 36 min
